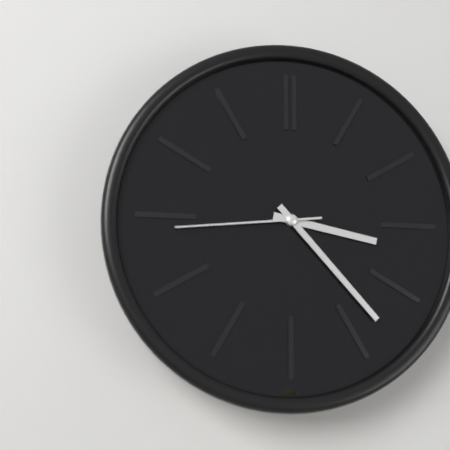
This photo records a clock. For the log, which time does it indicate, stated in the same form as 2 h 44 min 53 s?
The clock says 3 h 23 min 44 s
